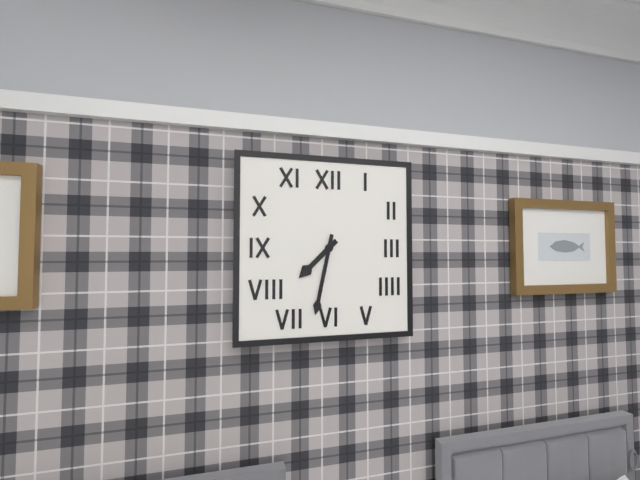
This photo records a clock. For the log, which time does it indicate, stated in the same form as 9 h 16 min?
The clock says 7 h 32 min
